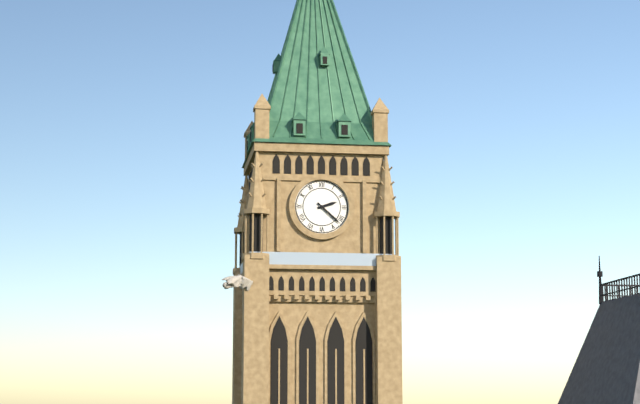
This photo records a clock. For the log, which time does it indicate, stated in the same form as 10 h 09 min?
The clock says 2 h 22 min
